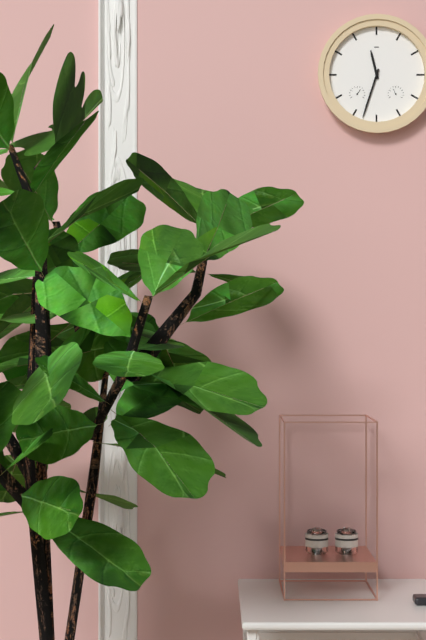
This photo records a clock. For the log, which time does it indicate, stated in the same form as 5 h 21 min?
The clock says 11 h 33 min
